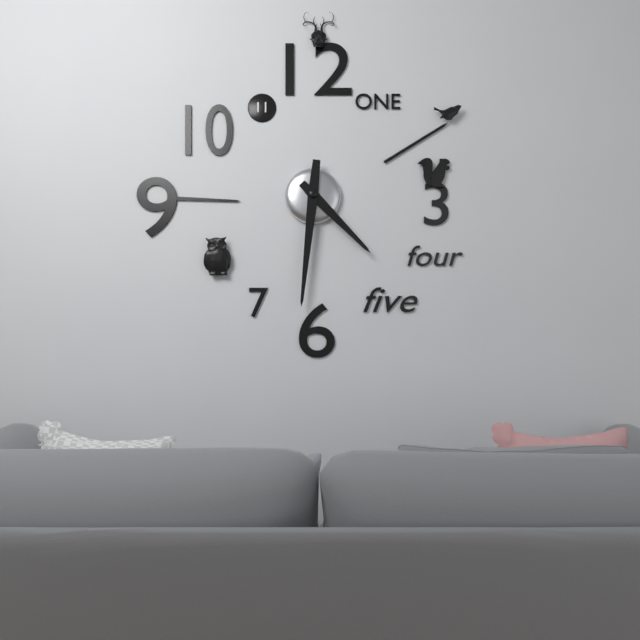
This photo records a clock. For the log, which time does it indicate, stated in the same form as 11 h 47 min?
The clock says 4 h 31 min
